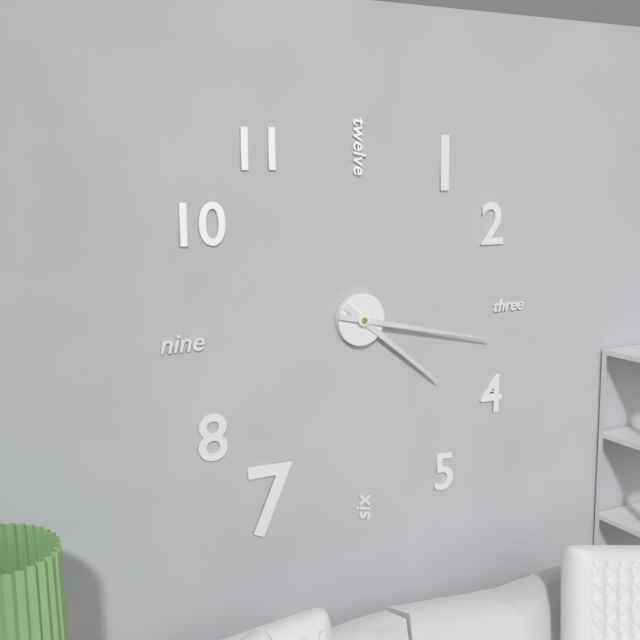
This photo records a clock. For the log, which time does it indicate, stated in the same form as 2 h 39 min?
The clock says 4 h 17 min
